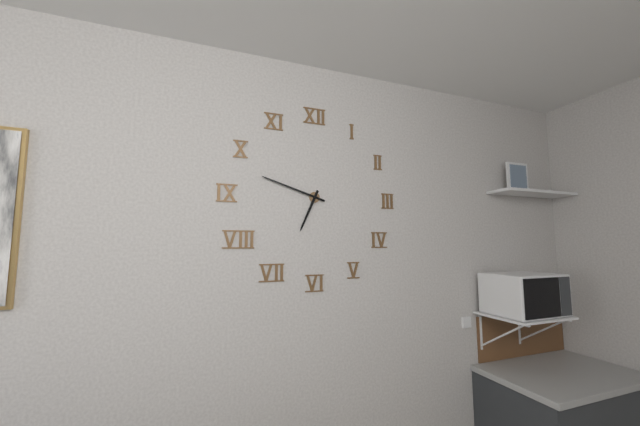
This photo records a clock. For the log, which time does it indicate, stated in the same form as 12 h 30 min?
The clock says 6 h 48 min
